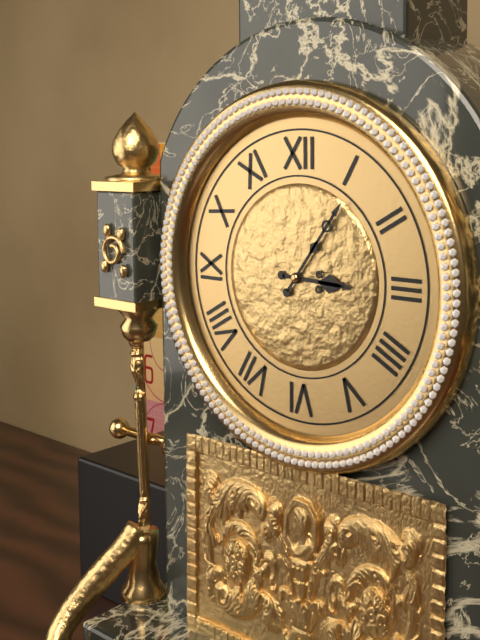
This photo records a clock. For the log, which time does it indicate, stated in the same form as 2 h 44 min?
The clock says 3 h 06 min
